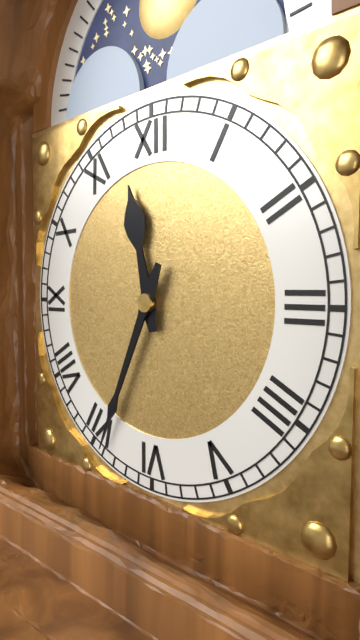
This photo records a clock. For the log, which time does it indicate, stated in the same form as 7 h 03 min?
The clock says 11 h 34 min
